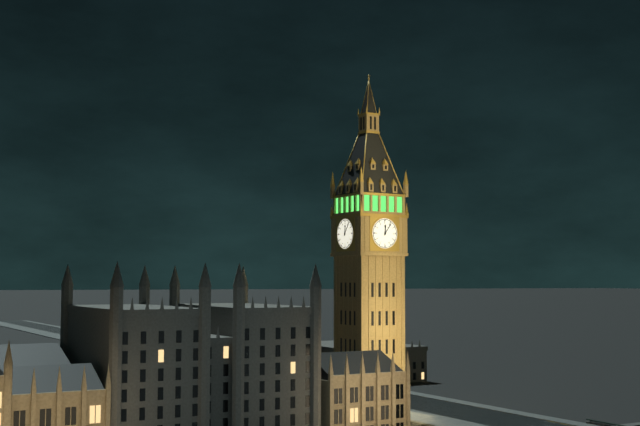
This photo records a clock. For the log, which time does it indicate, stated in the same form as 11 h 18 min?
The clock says 12 h 06 min
